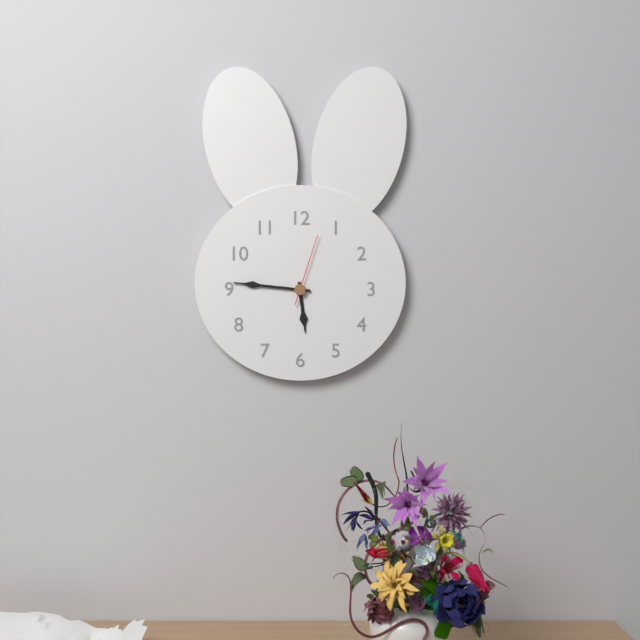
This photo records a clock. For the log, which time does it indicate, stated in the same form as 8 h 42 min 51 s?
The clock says 5 h 46 min 03 s
